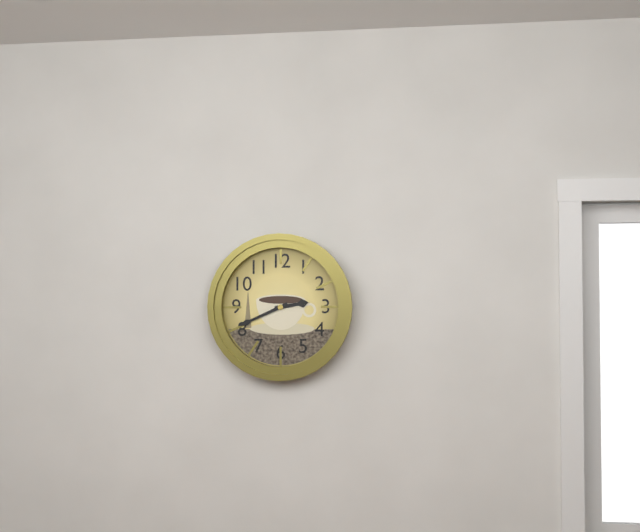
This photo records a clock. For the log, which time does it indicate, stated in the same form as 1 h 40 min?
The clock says 2 h 41 min
